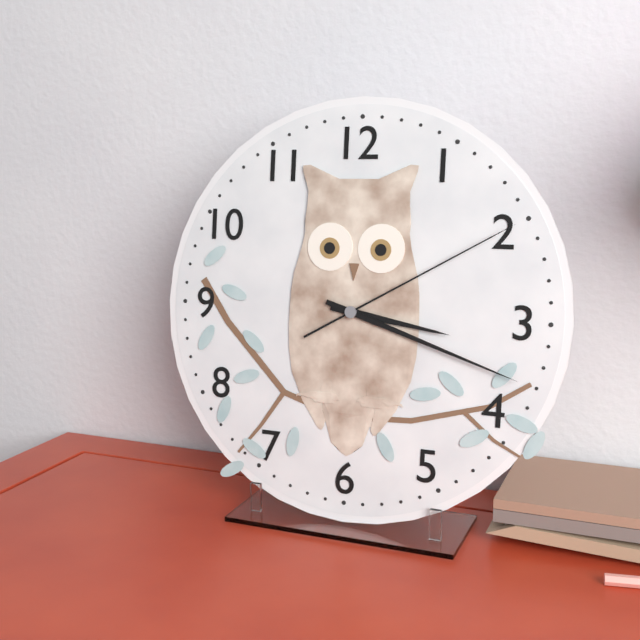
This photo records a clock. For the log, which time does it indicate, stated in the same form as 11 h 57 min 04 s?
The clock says 3 h 18 min 10 s
